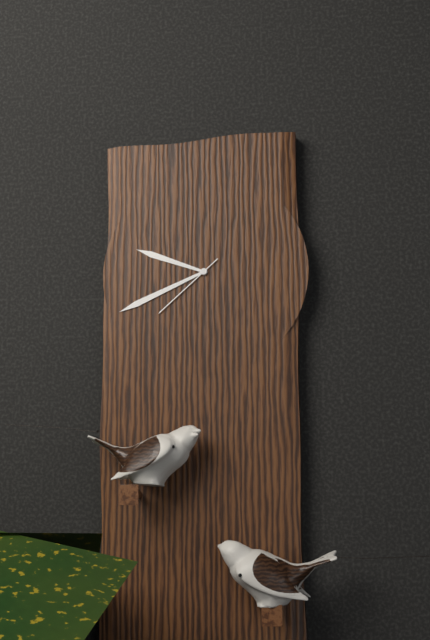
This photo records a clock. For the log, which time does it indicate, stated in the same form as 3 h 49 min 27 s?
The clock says 9 h 41 min 38 s
